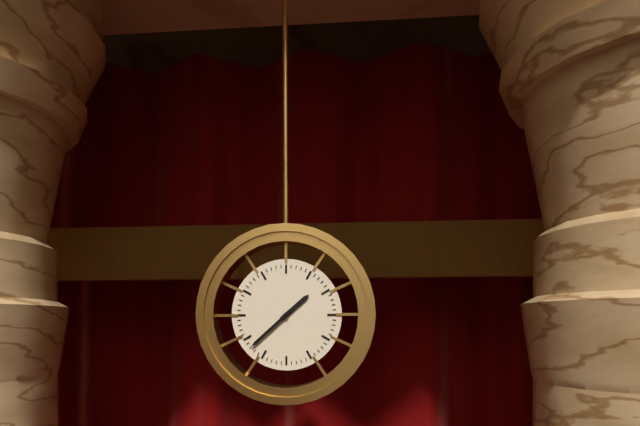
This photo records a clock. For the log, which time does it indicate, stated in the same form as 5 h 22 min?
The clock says 1 h 38 min
